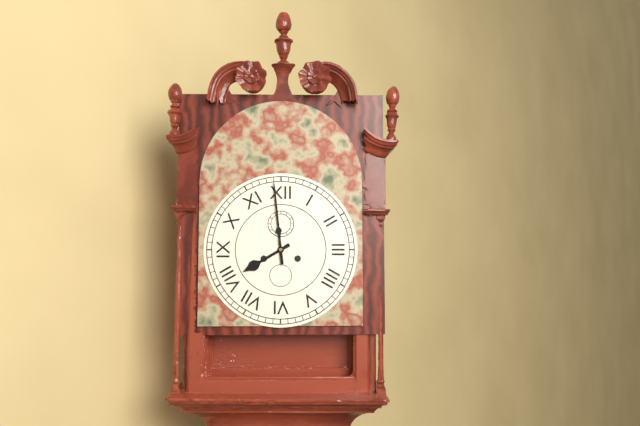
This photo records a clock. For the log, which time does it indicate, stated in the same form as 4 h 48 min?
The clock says 7 h 59 min
